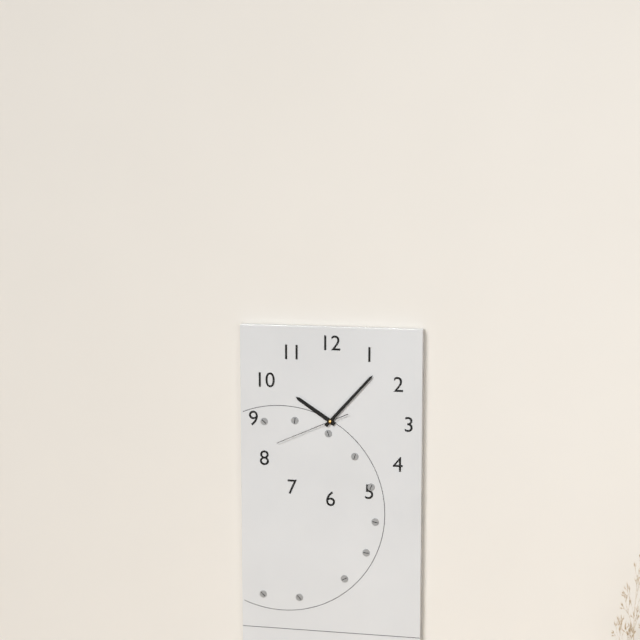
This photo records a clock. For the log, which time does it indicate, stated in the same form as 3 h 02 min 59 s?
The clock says 10 h 07 min 41 s
